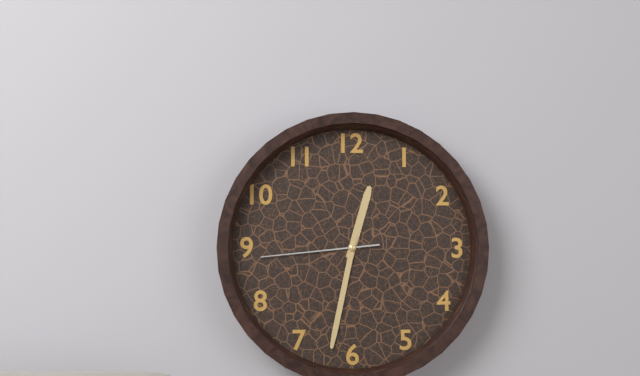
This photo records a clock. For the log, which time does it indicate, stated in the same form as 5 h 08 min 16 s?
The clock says 12 h 32 min 44 s
